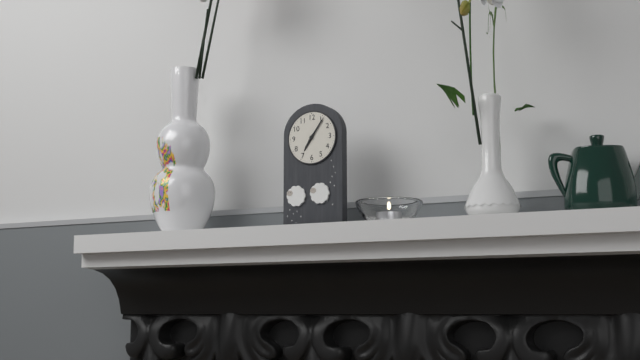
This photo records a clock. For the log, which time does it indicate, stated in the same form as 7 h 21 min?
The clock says 7 h 06 min
